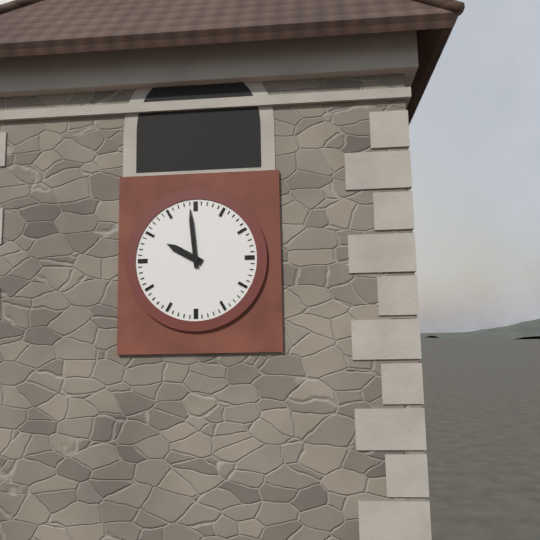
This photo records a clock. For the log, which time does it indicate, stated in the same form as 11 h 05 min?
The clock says 9 h 59 min
